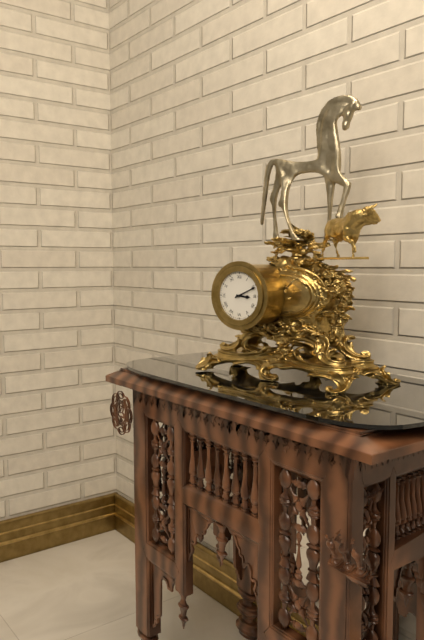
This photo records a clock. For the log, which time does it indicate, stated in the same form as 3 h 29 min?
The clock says 3 h 11 min
